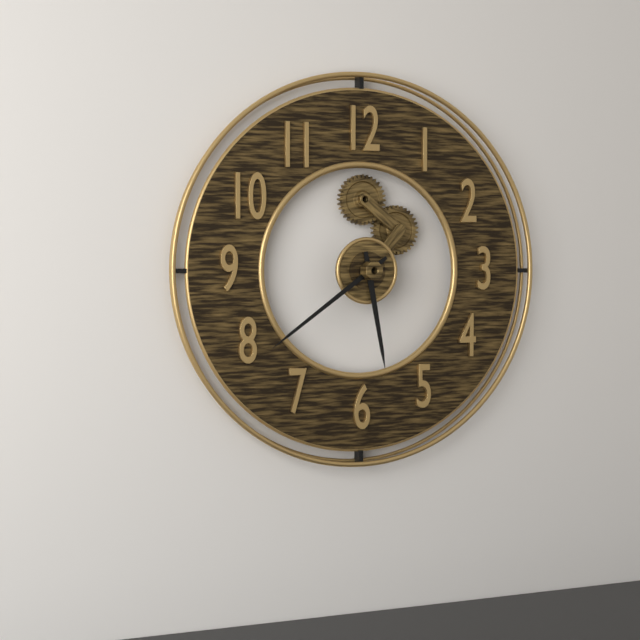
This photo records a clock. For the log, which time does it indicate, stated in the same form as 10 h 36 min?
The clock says 5 h 39 min
